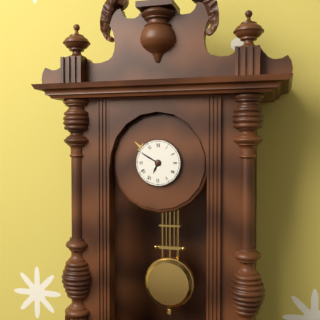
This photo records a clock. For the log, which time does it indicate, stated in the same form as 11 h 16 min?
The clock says 6 h 50 min
